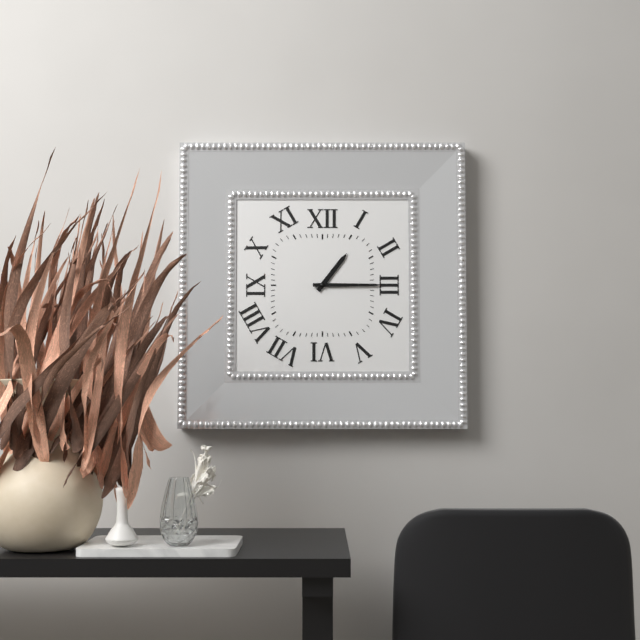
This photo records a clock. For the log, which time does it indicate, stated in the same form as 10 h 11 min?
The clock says 1 h 15 min
